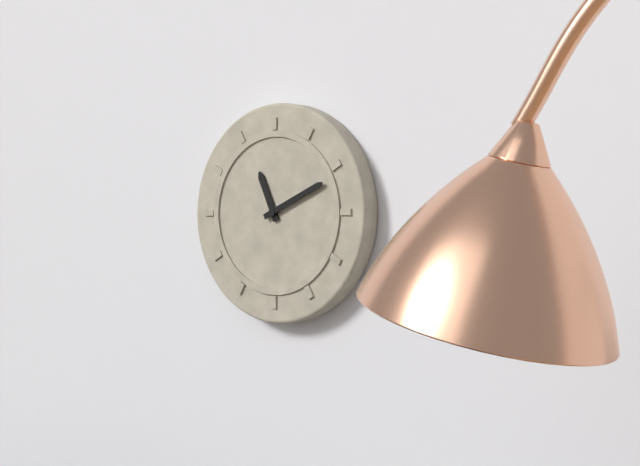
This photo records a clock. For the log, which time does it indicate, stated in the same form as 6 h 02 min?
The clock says 11 h 11 min
